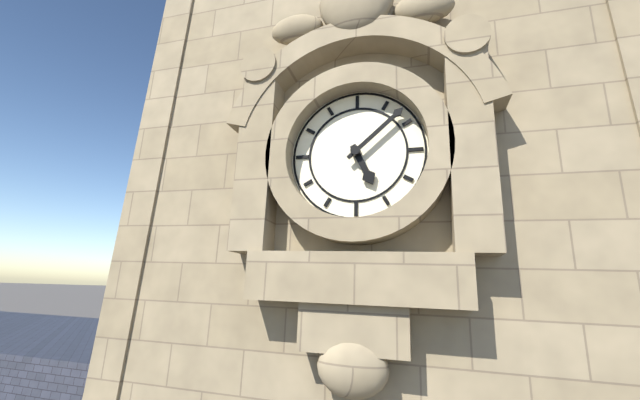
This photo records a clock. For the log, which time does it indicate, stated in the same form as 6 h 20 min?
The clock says 5 h 08 min
